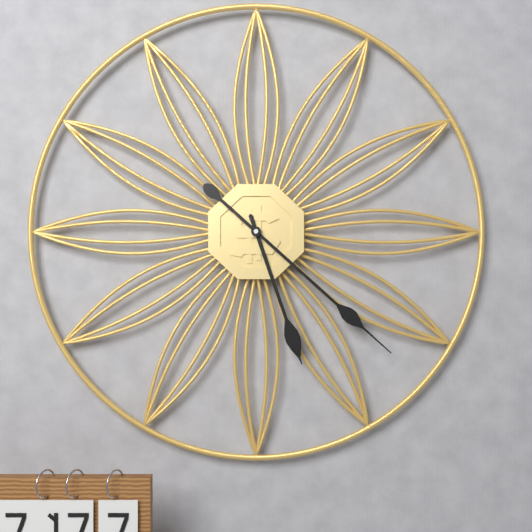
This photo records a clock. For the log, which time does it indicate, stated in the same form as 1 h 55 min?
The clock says 5 h 22 min
